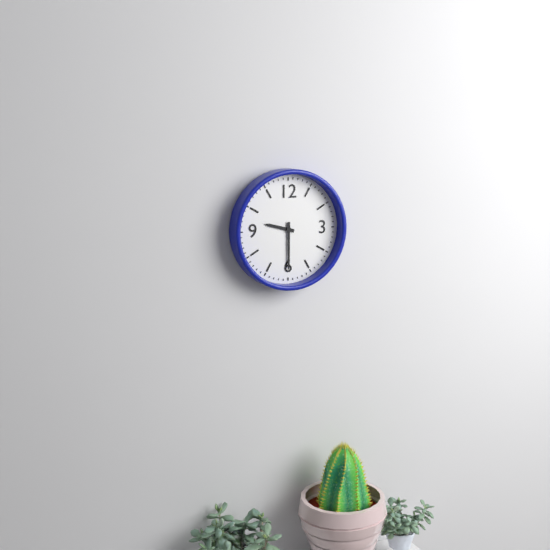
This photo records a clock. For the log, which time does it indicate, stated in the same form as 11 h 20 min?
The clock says 9 h 30 min
